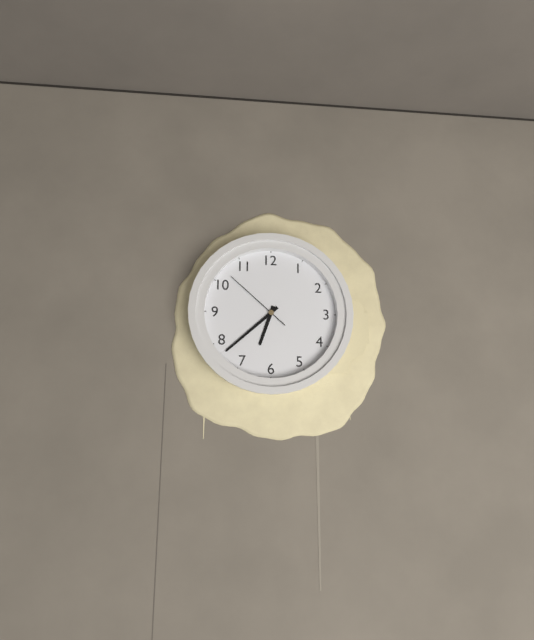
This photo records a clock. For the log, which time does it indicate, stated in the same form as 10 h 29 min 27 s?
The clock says 6 h 38 min 52 s
